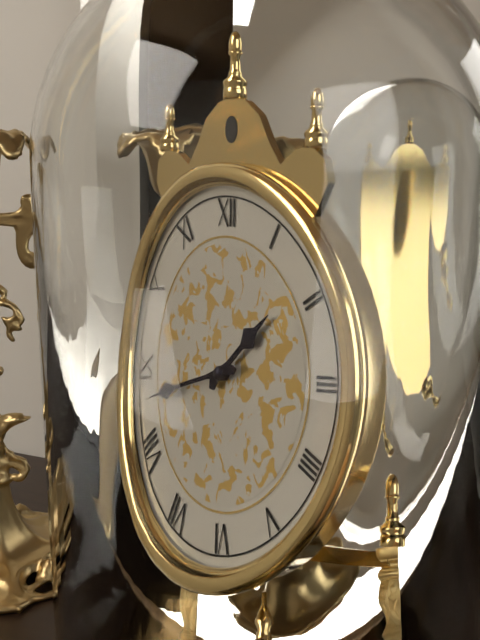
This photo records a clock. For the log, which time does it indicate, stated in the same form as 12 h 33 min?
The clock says 1 h 43 min
